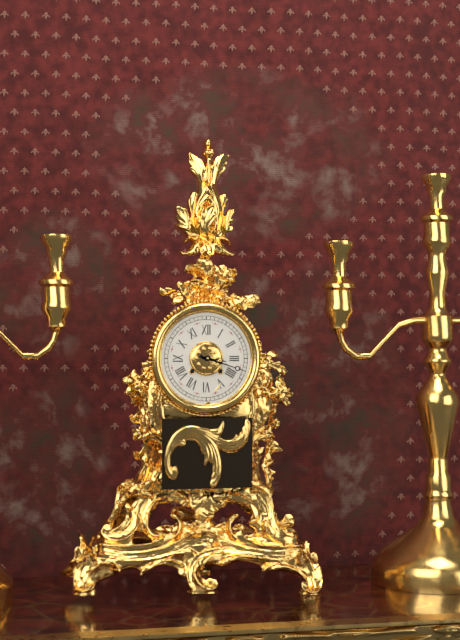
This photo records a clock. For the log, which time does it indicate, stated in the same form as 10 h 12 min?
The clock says 3 h 18 min
